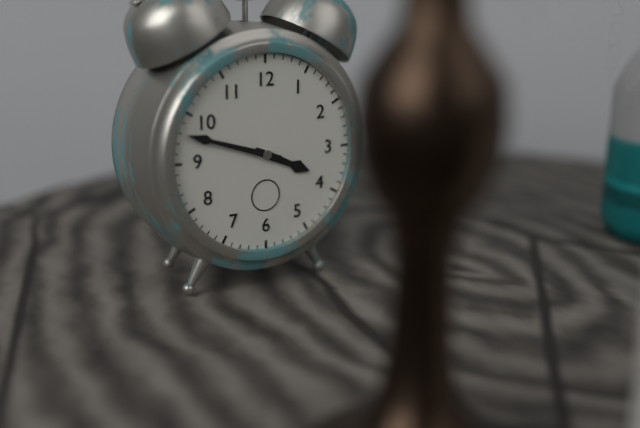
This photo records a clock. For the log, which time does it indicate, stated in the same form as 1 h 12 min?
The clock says 3 h 48 min
